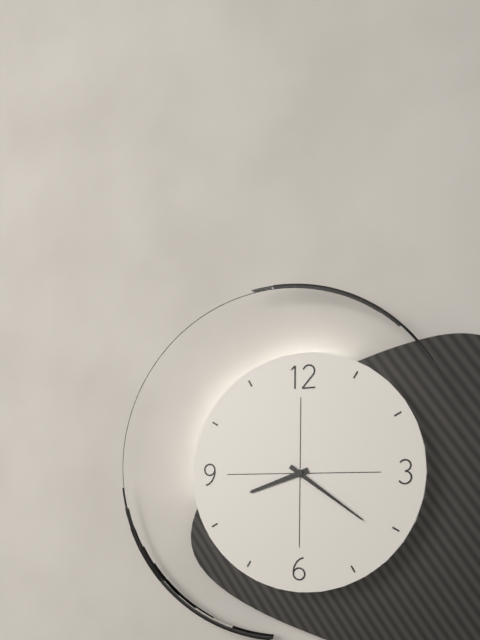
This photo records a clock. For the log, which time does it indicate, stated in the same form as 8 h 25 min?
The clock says 8 h 21 min
